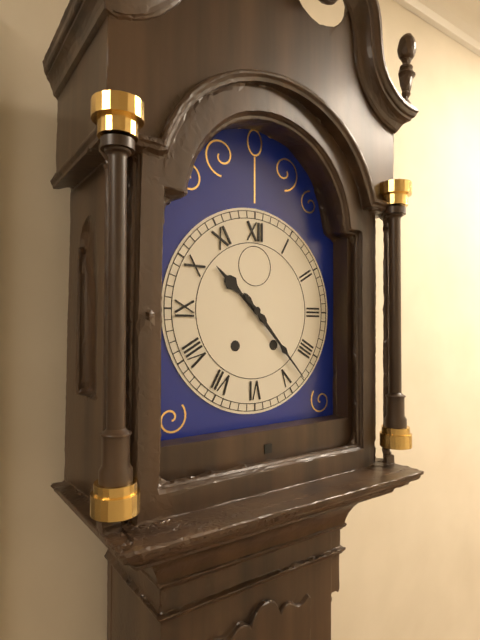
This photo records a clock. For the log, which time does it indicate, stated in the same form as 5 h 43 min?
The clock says 10 h 23 min
